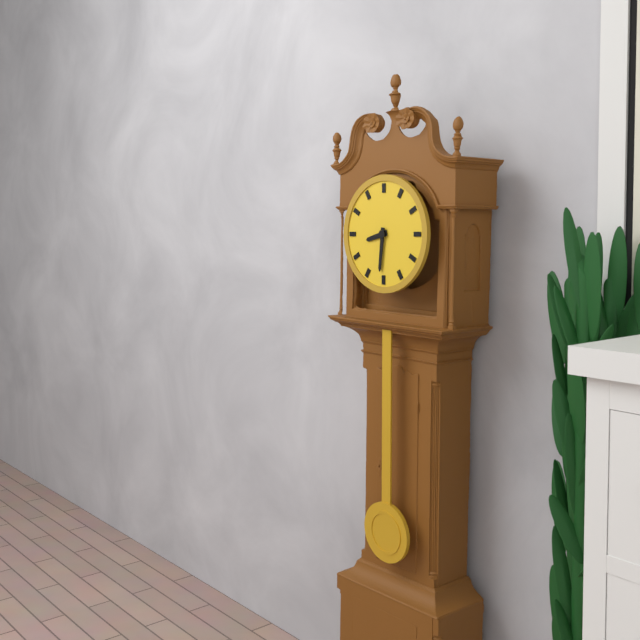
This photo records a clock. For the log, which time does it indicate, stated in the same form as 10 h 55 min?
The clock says 8 h 31 min
